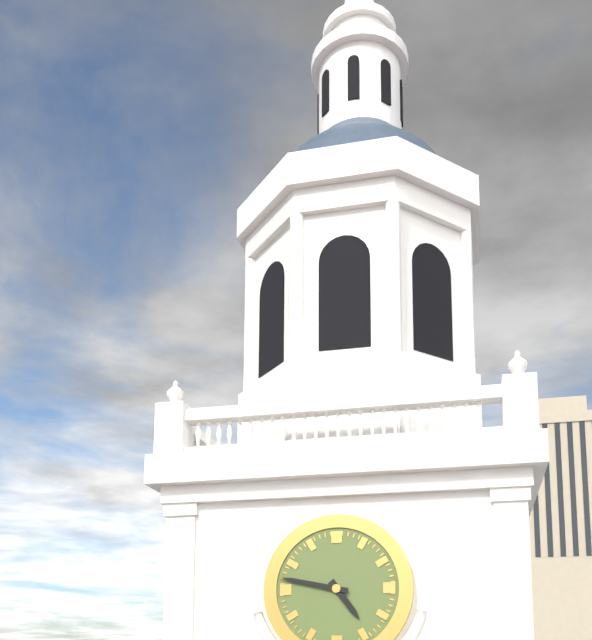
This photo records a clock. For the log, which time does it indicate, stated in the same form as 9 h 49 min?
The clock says 4 h 47 min
